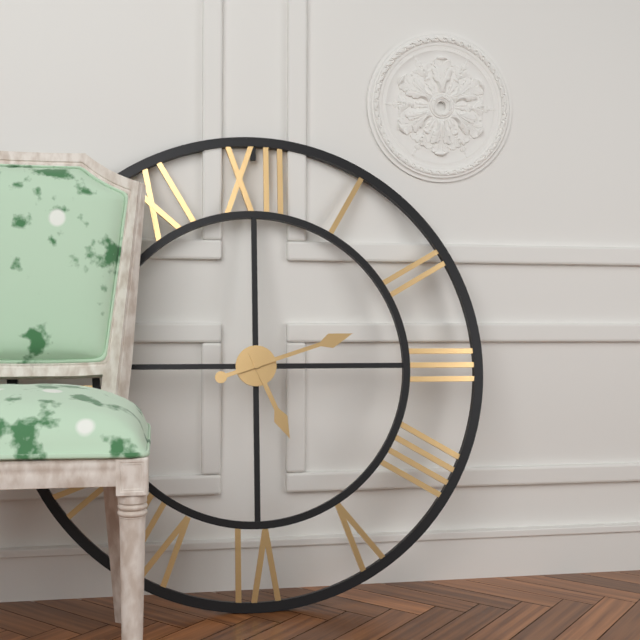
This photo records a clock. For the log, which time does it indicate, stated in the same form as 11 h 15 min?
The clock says 5 h 12 min
